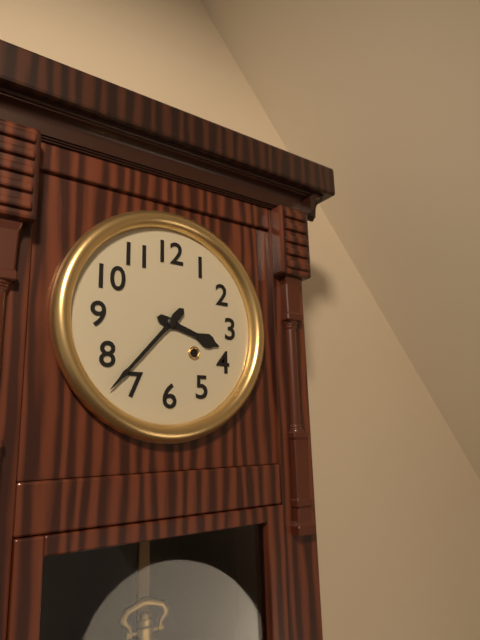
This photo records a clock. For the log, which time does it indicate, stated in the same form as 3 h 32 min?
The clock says 3 h 37 min
